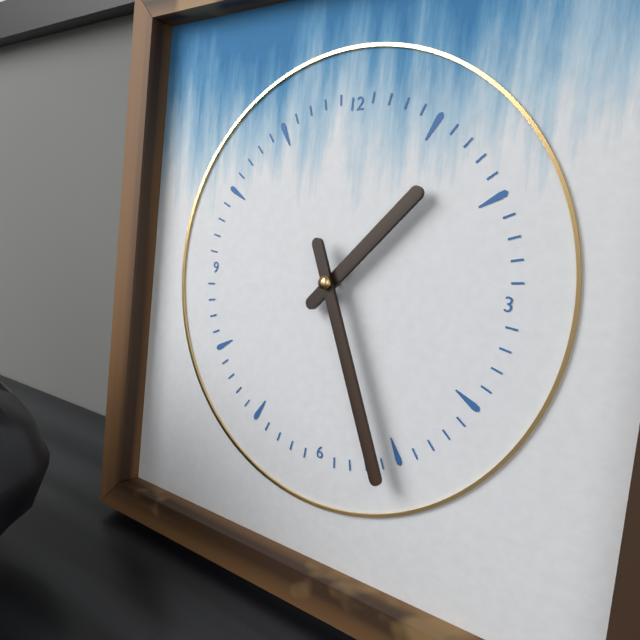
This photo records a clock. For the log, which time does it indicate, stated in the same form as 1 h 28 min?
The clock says 1 h 26 min
